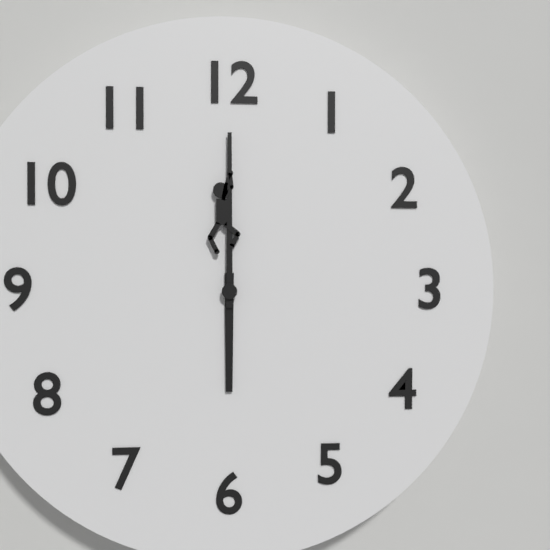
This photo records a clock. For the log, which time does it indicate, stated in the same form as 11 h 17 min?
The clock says 6 h 00 min
